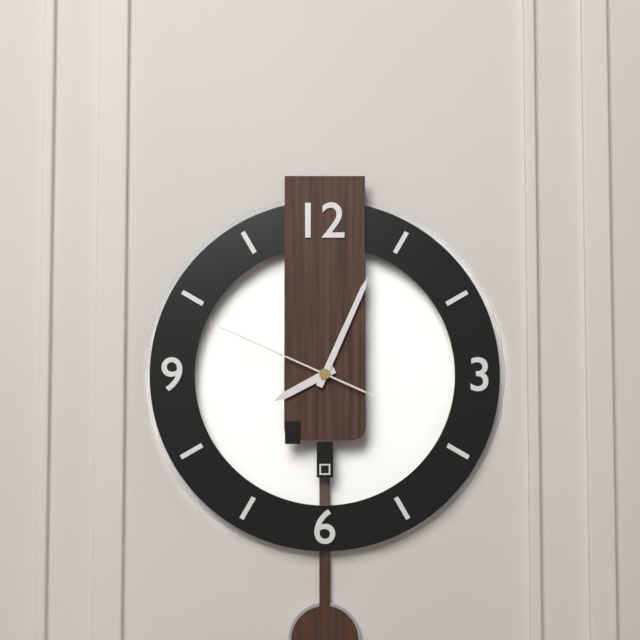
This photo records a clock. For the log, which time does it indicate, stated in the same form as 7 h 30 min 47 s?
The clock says 8 h 04 min 49 s
